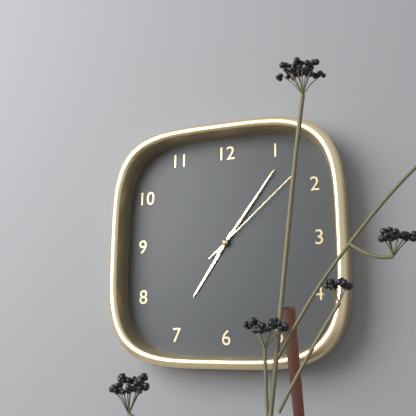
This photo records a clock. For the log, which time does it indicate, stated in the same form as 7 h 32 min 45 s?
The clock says 7 h 06 min 08 s
